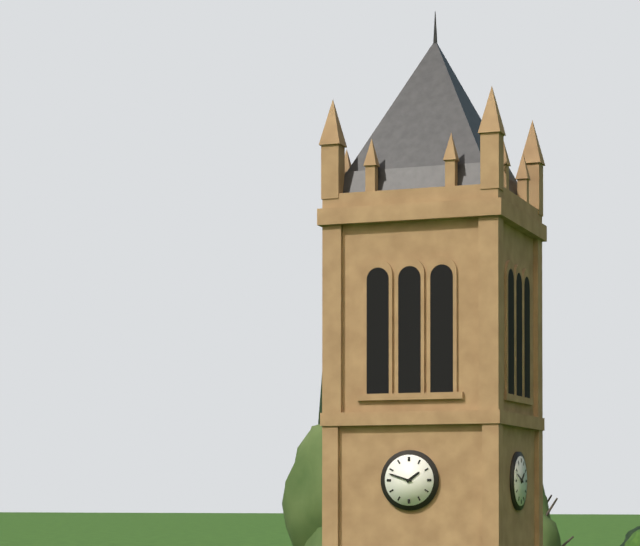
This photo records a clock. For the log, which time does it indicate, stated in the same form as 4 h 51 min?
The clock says 1 h 48 min
